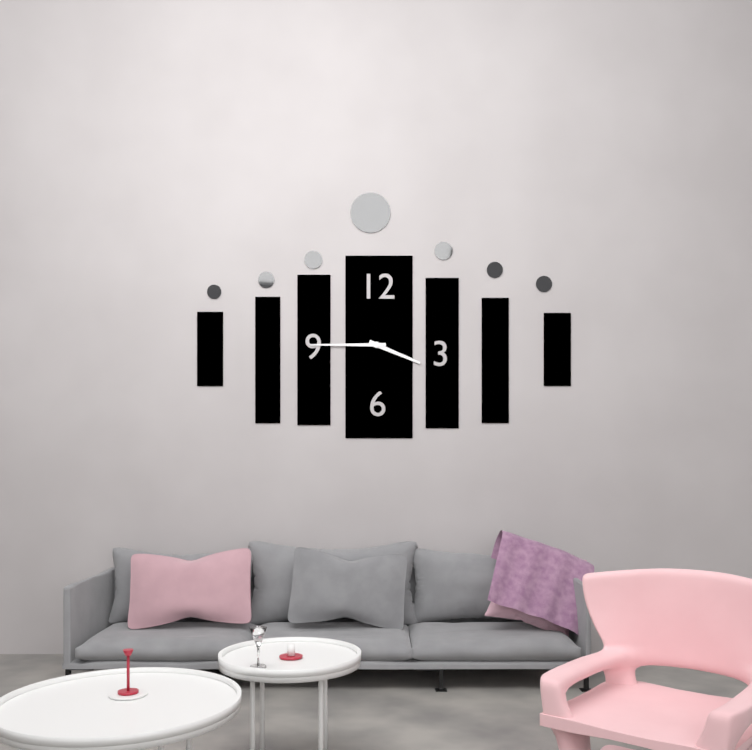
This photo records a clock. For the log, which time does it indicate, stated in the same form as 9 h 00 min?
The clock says 3 h 45 min
